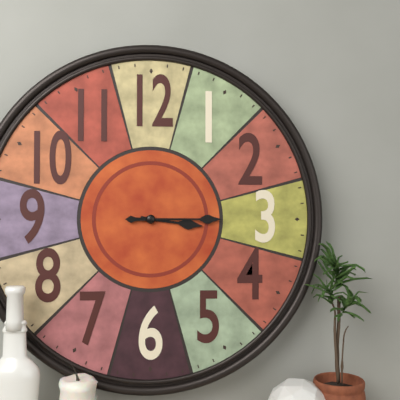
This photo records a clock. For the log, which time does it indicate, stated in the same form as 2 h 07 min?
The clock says 3 h 15 min
